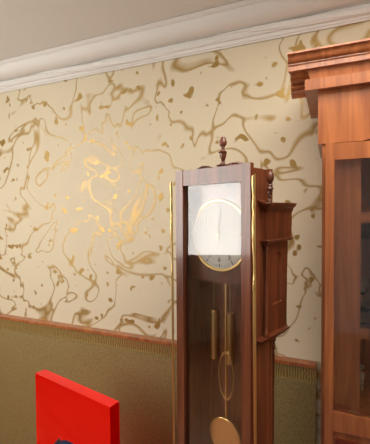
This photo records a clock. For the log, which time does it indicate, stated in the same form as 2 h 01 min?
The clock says 12 h 01 min
